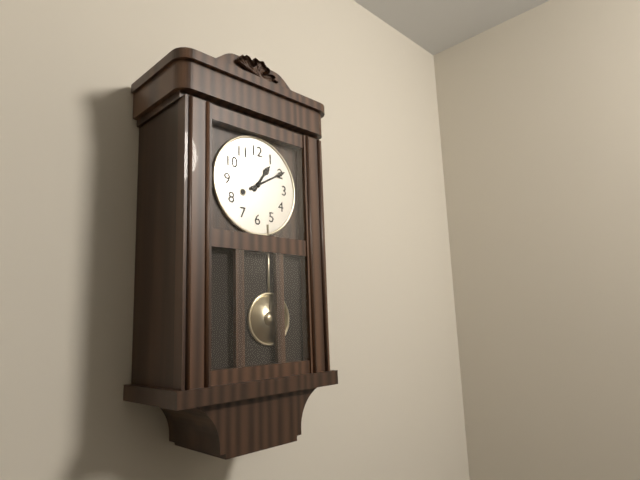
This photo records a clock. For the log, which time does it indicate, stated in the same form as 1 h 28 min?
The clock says 1 h 10 min
